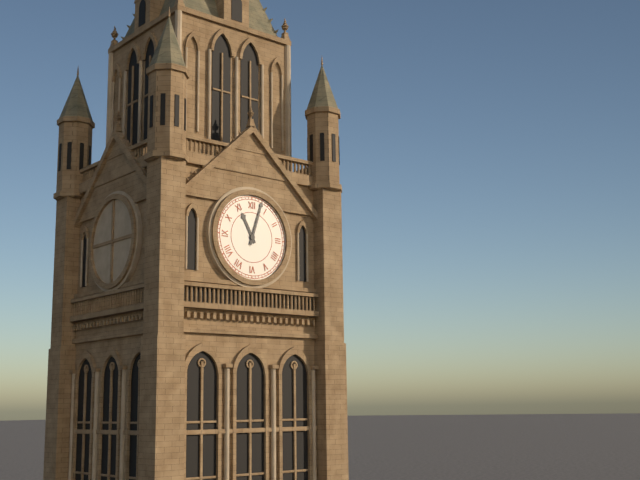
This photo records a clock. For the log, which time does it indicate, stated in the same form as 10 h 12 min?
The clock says 11 h 03 min
